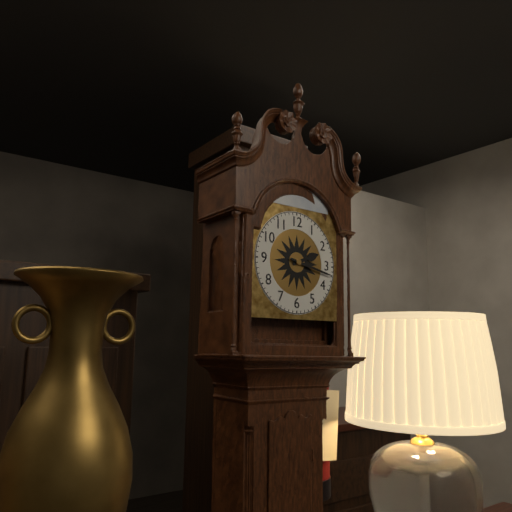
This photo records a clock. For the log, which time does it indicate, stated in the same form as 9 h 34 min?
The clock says 2 h 17 min
